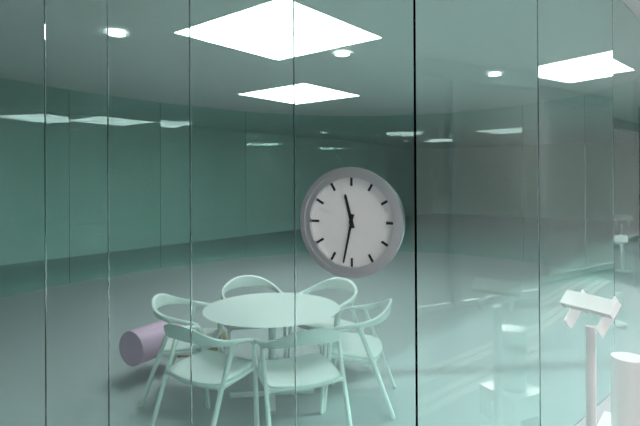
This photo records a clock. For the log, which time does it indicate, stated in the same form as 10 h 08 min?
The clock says 11 h 32 min
